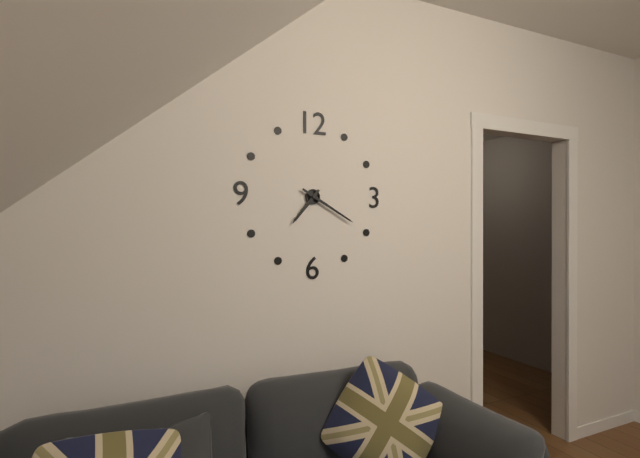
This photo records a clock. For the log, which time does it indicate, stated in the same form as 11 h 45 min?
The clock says 7 h 20 min
